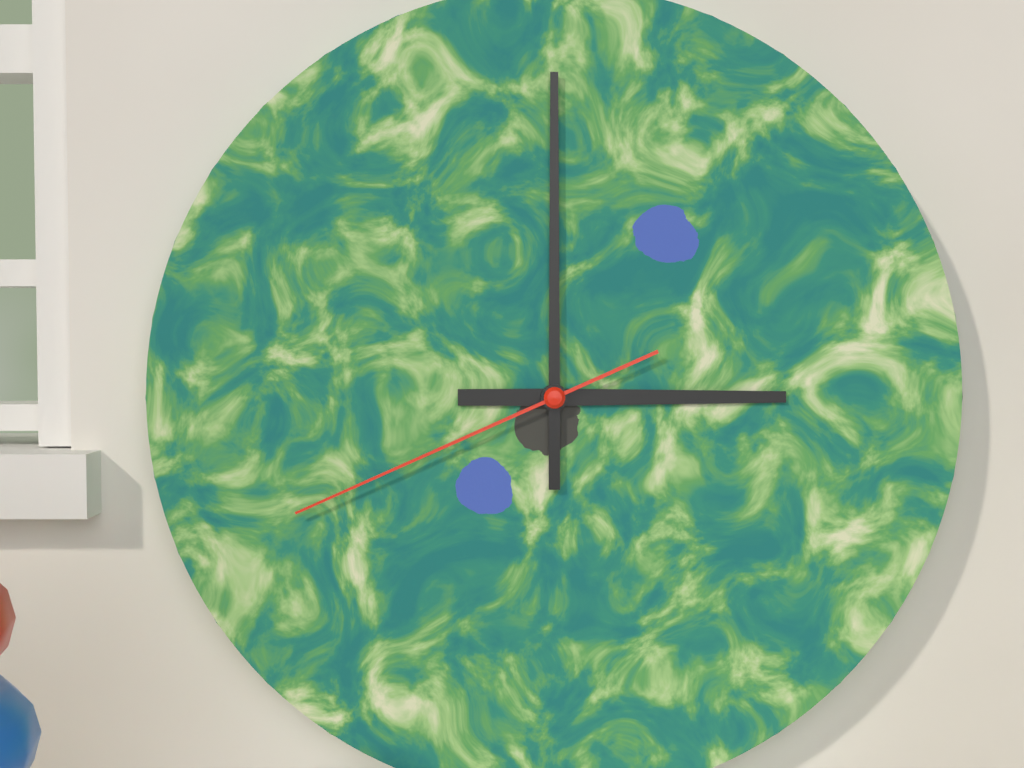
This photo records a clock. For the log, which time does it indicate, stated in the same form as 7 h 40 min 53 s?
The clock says 3 h 00 min 41 s
